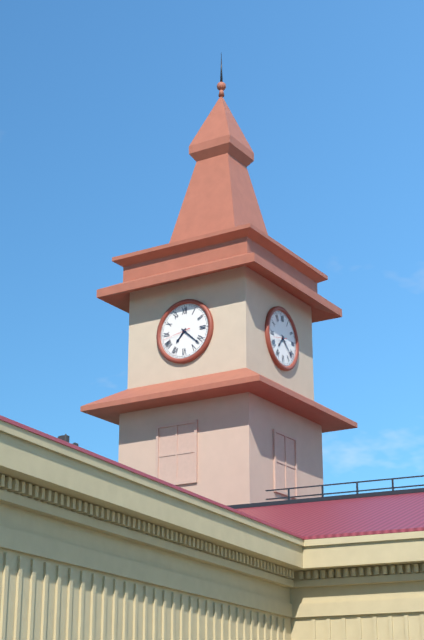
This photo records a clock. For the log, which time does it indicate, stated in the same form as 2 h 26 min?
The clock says 7 h 22 min
